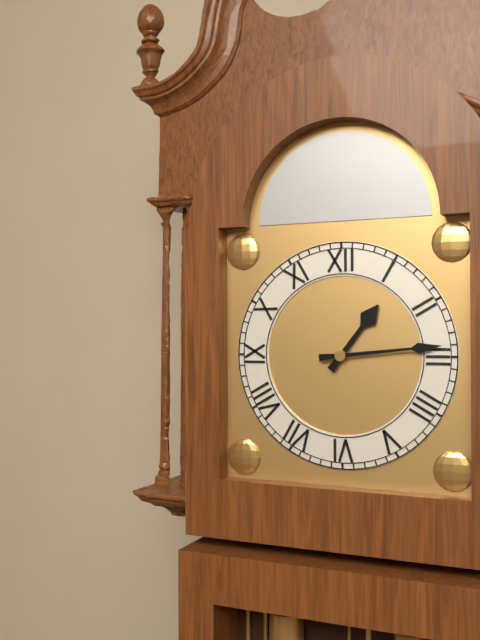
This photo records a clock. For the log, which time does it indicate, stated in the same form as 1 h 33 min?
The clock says 1 h 14 min
